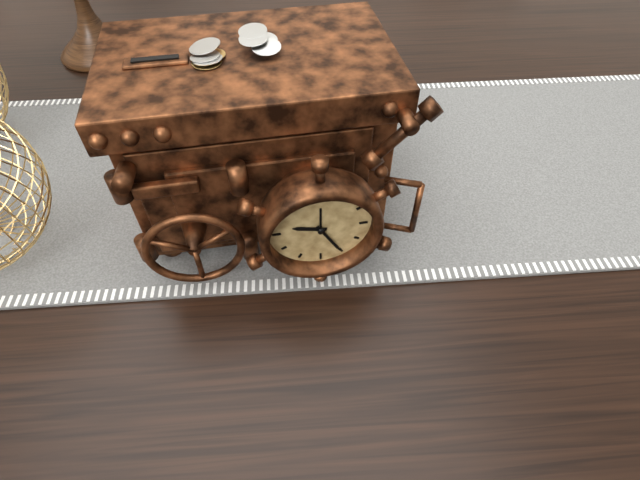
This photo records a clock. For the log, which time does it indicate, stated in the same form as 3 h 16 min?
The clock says 9 h 25 min
